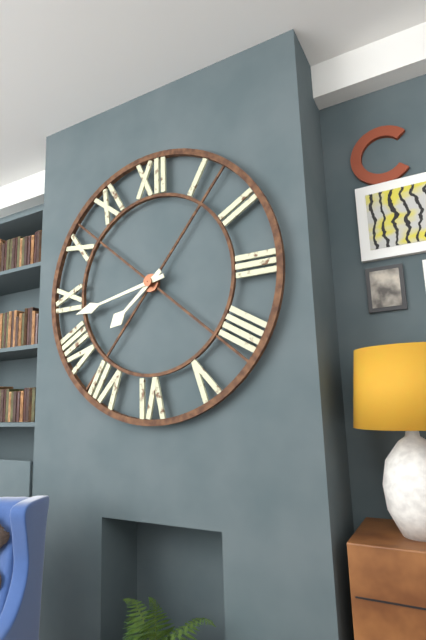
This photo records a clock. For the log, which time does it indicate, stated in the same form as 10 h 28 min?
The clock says 7 h 43 min
